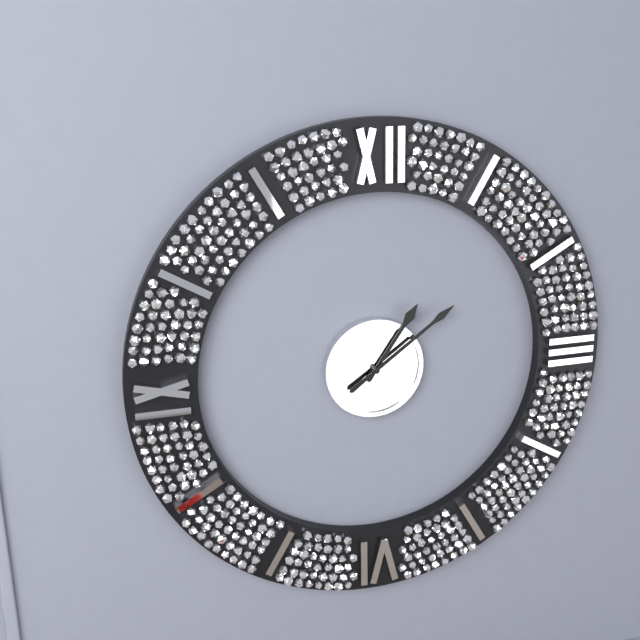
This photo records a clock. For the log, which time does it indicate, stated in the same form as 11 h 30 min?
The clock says 1 h 09 min
